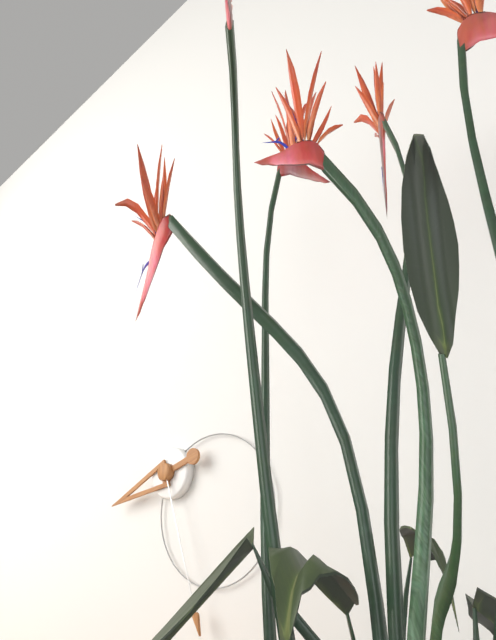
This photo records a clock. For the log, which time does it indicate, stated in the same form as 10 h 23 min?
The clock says 8 h 27 min
